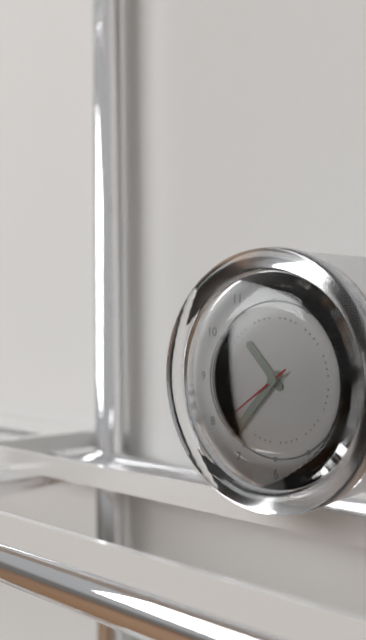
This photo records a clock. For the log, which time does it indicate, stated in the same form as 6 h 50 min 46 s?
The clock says 10 h 37 min 39 s
